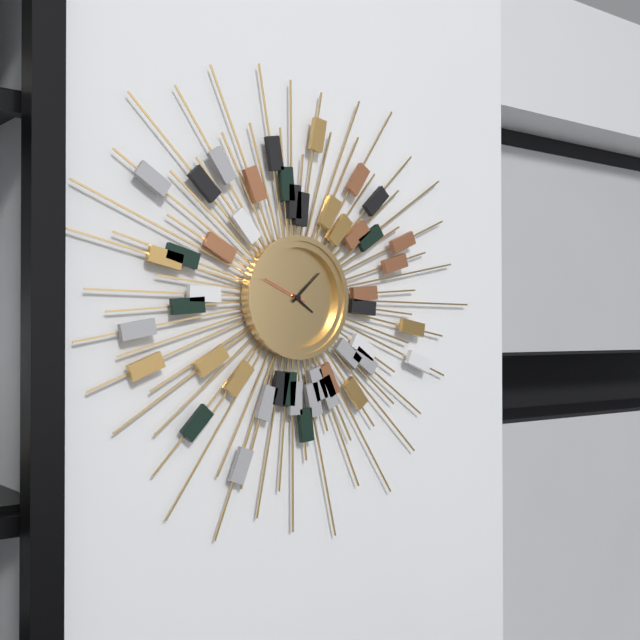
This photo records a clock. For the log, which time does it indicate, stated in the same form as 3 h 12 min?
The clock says 4 h 08 min
